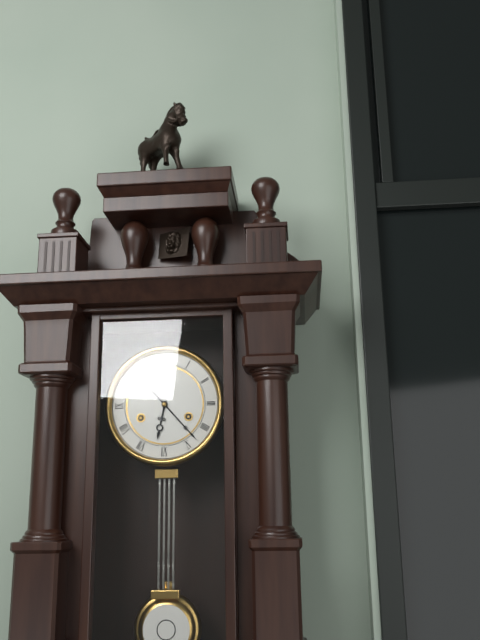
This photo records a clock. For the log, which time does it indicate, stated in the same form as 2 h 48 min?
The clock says 6 h 23 min
